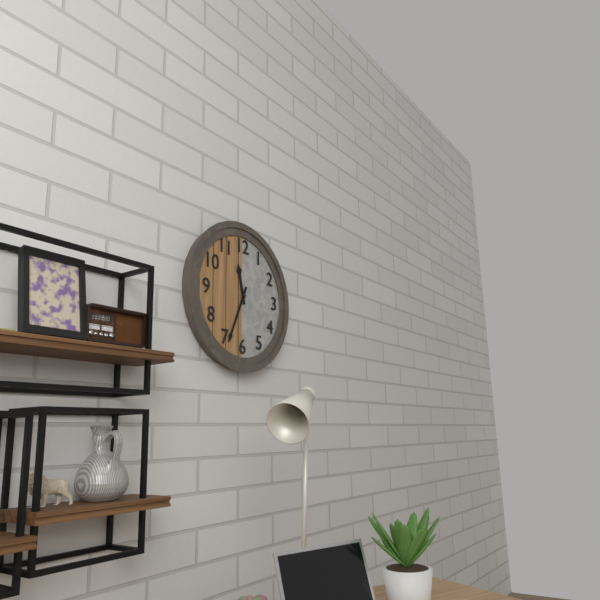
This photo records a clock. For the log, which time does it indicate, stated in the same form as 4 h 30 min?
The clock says 11 h 34 min
